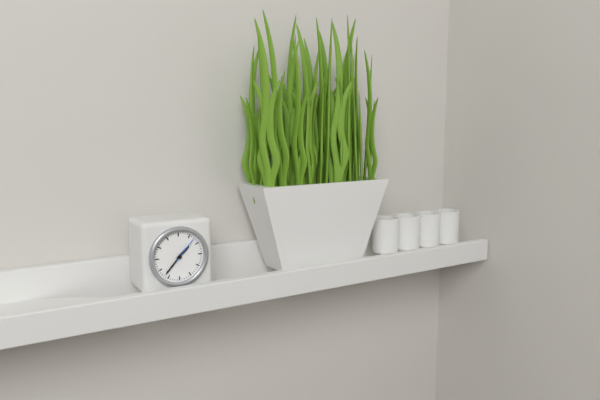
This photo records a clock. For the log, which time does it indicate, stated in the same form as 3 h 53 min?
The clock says 1 h 37 min
